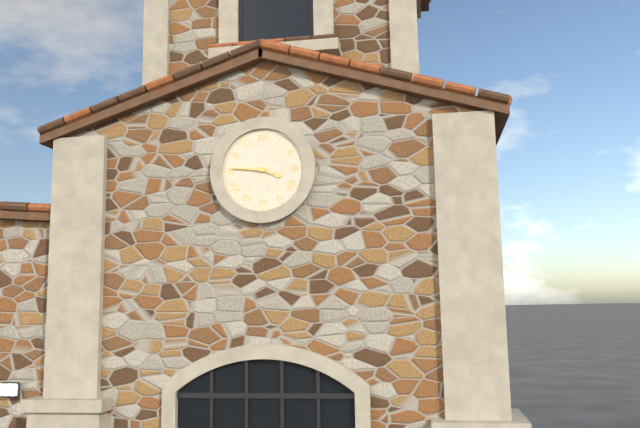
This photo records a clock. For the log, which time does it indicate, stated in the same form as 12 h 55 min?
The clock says 3 h 46 min
